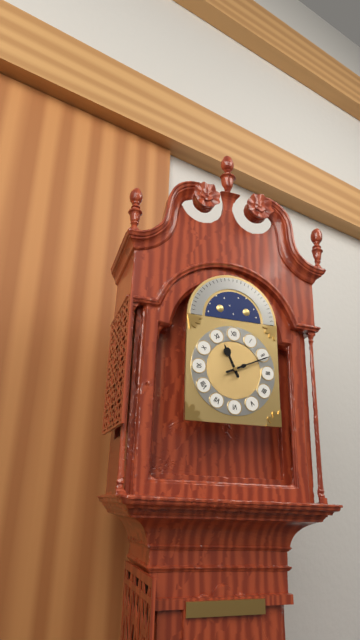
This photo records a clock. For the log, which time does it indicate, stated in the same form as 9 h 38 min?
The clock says 11 h 11 min
